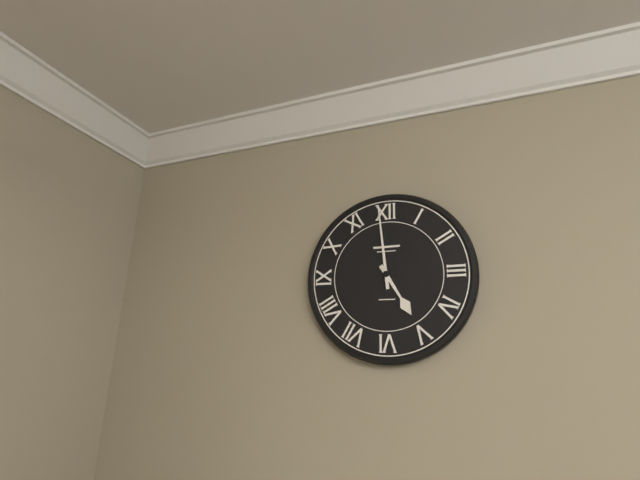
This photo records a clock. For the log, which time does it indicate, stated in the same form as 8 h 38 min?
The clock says 4 h 59 min
